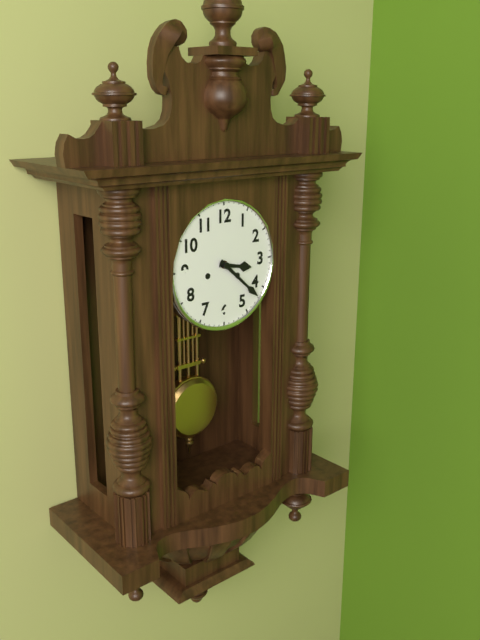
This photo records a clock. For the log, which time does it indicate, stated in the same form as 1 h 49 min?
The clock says 3 h 22 min
